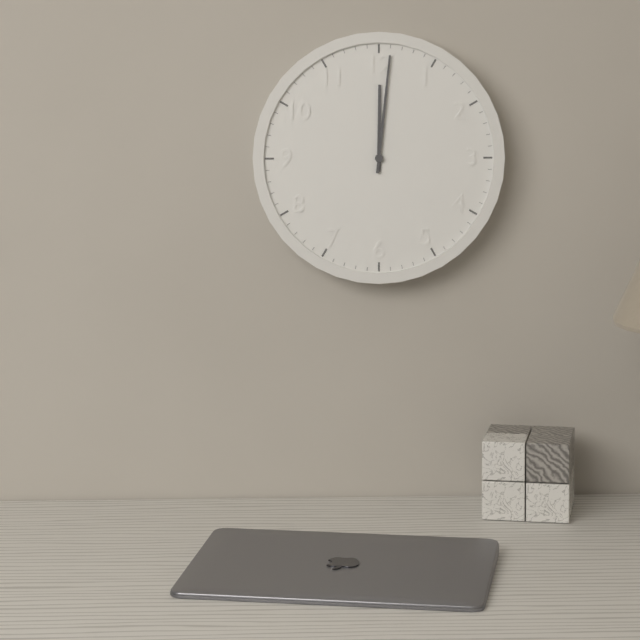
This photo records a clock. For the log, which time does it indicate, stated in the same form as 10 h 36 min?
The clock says 12 h 01 min
